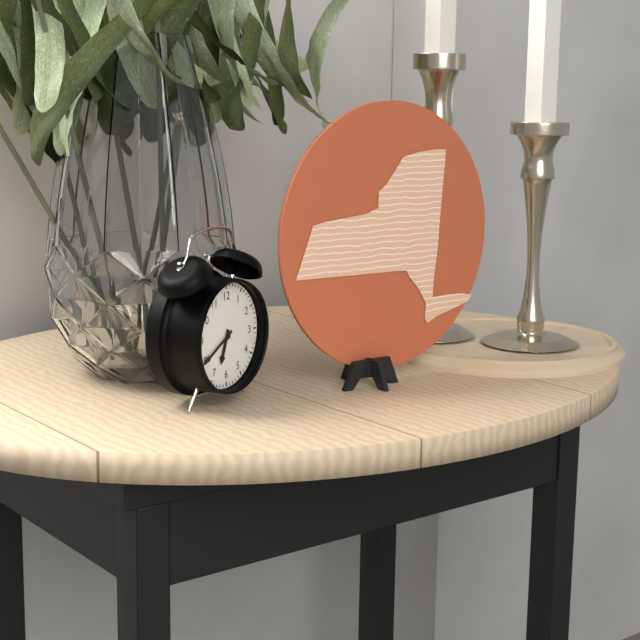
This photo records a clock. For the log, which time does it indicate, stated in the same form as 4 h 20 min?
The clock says 6 h 40 min
